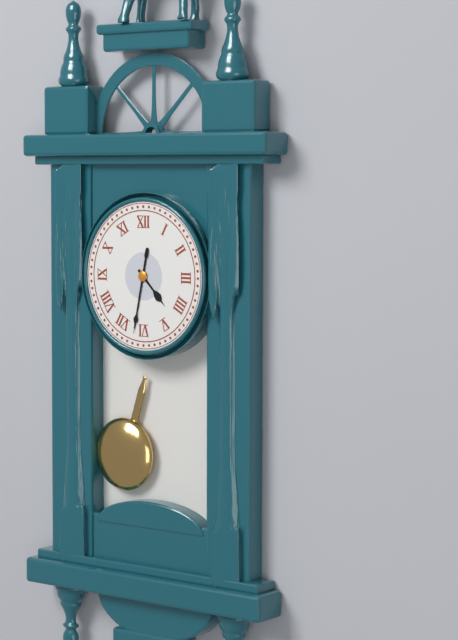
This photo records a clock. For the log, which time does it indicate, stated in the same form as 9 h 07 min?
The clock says 4 h 32 min
